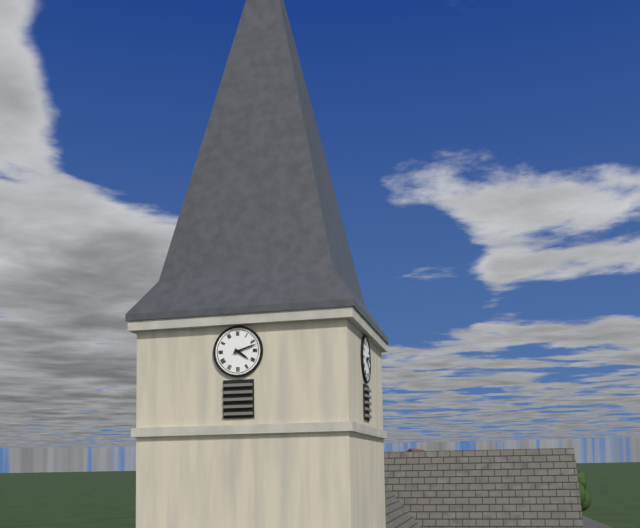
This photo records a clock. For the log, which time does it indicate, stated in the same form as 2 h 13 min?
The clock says 4 h 12 min
